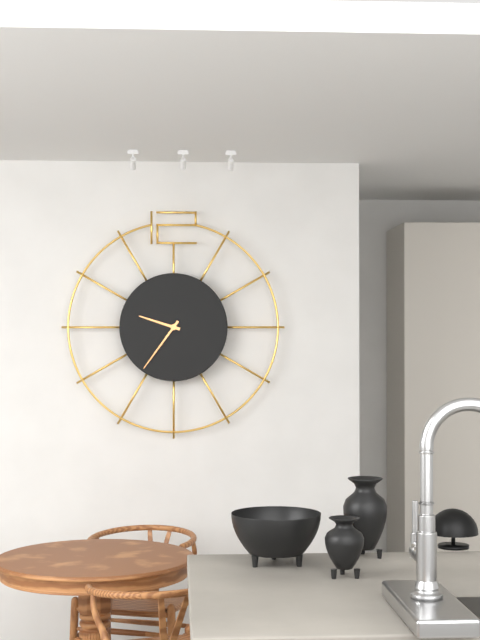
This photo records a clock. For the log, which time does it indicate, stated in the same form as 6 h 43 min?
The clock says 9 h 36 min
